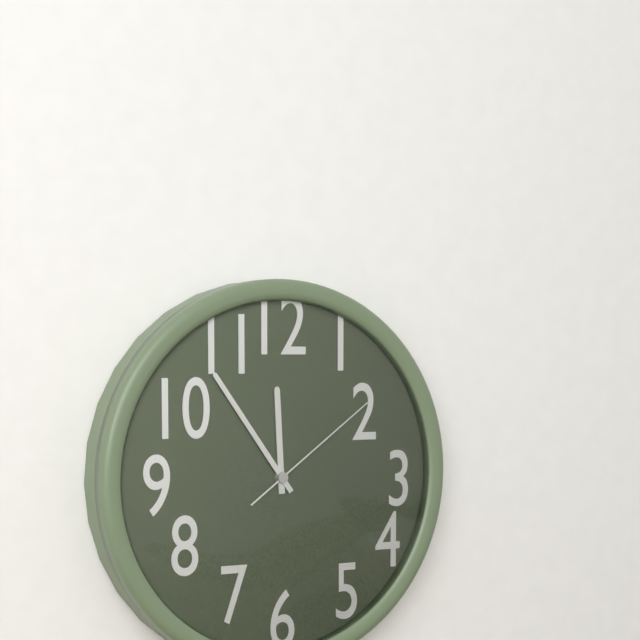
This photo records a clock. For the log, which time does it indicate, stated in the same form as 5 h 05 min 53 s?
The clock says 11 h 54 min 09 s
